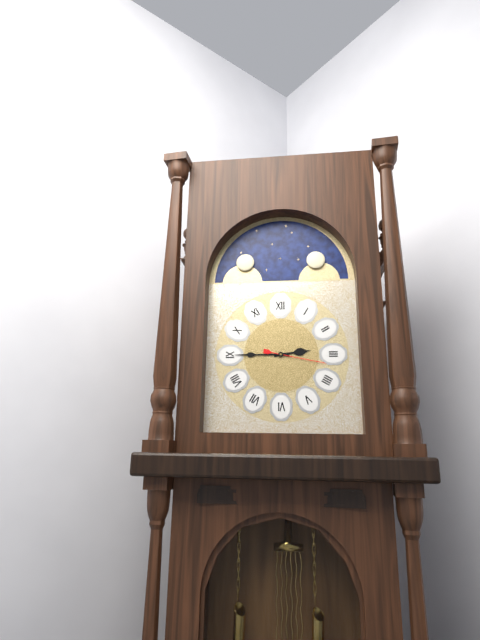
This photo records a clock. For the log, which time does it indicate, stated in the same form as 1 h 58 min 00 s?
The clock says 2 h 45 min 17 s
